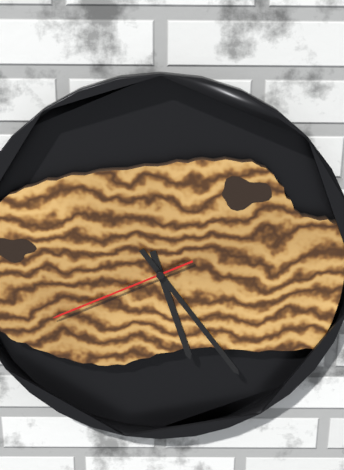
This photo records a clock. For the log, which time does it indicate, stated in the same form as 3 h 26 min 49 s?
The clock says 5 h 24 min 41 s
